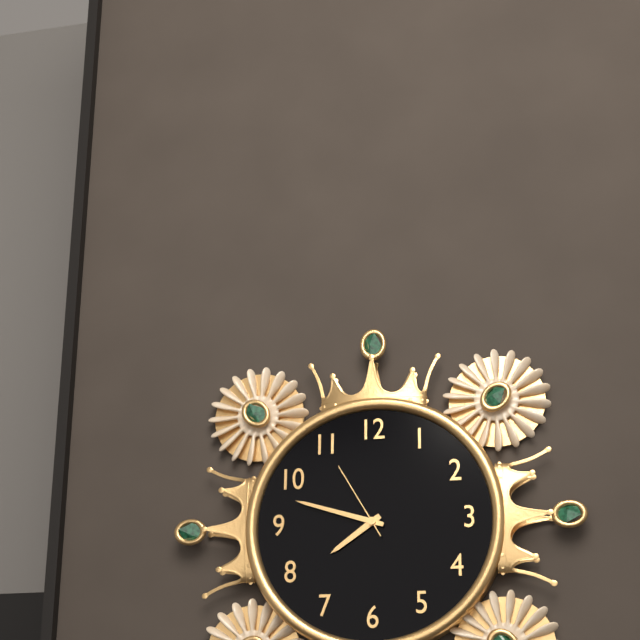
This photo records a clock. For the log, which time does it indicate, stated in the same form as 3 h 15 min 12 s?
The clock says 7 h 48 min 55 s
